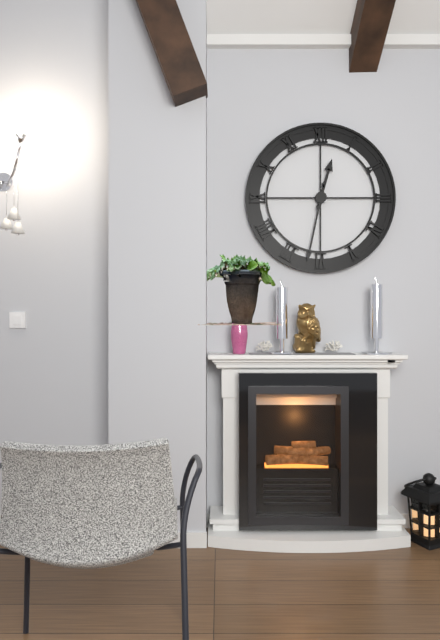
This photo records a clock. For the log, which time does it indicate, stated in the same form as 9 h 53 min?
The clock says 12 h 32 min
